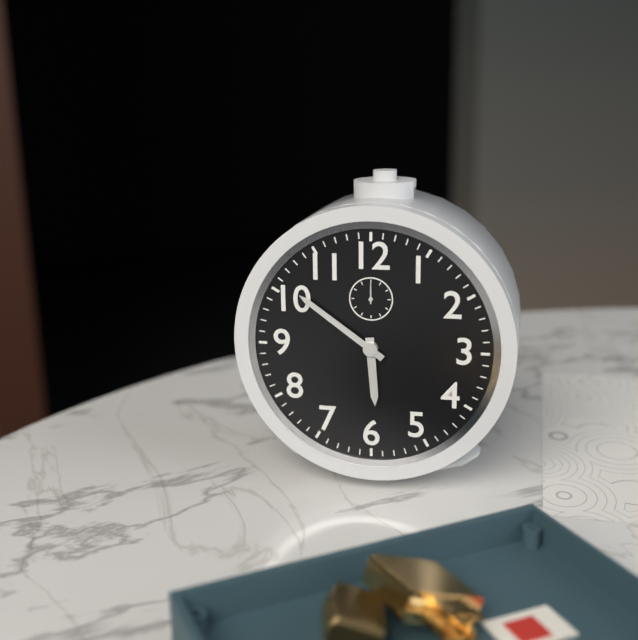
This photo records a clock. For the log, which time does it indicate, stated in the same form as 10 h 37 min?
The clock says 5 h 51 min
